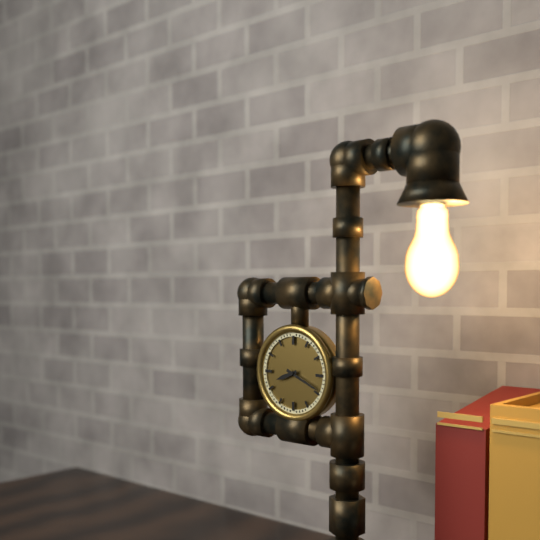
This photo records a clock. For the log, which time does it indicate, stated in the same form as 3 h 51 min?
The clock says 8 h 19 min
